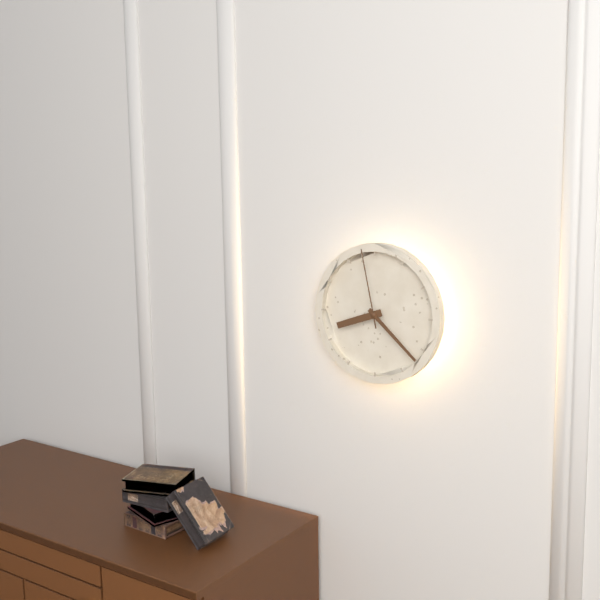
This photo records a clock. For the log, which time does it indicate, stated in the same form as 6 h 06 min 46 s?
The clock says 8 h 22 min 58 s
